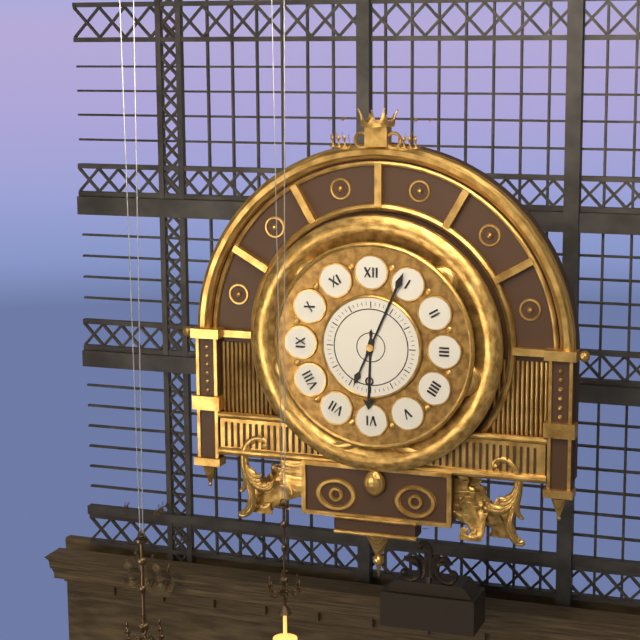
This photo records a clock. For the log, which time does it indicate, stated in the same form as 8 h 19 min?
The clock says 6 h 04 min
